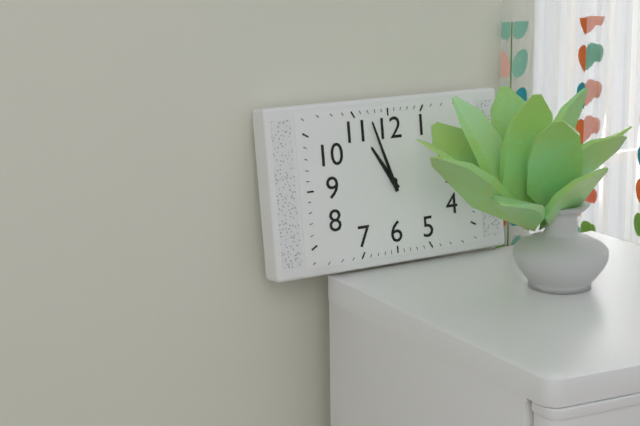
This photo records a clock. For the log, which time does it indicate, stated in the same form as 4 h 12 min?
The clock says 10 h 57 min
